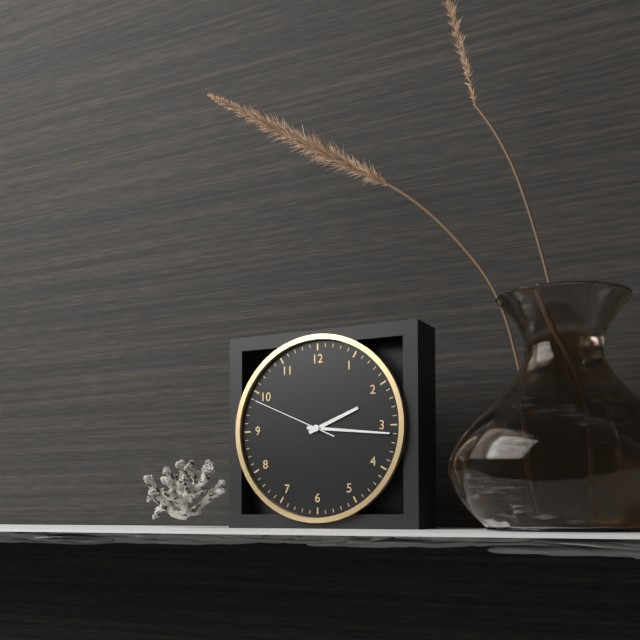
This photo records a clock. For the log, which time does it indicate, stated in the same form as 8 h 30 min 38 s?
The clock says 2 h 16 min 49 s
